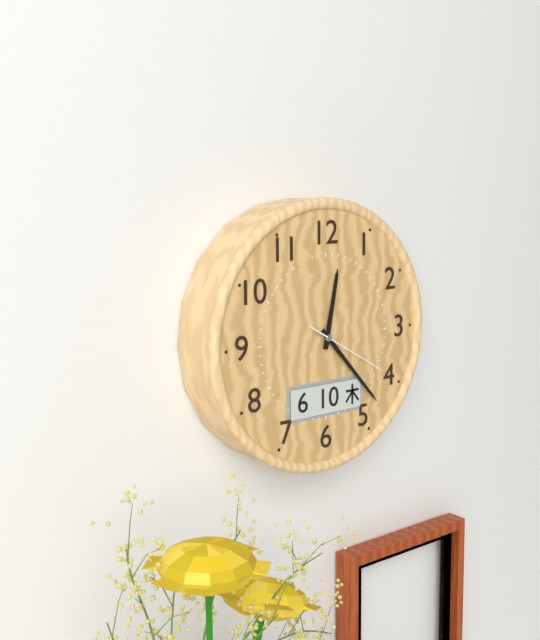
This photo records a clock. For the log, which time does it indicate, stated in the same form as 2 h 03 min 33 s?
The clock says 12 h 23 min 20 s
